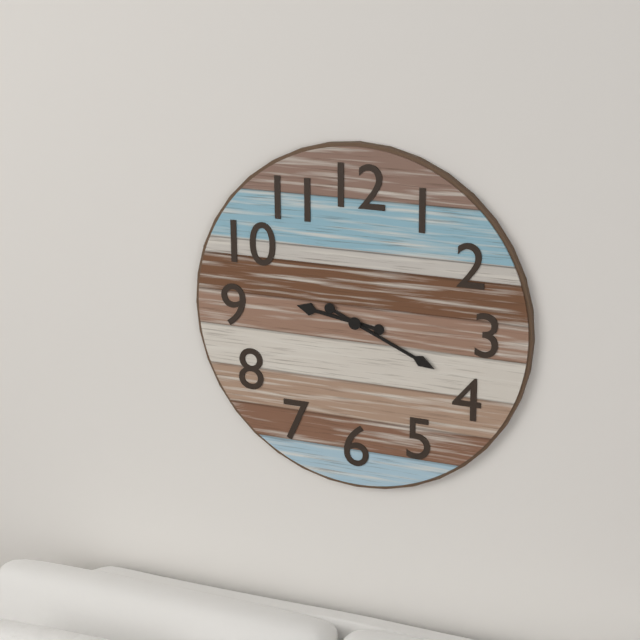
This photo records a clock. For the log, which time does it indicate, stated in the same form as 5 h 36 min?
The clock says 9 h 19 min
